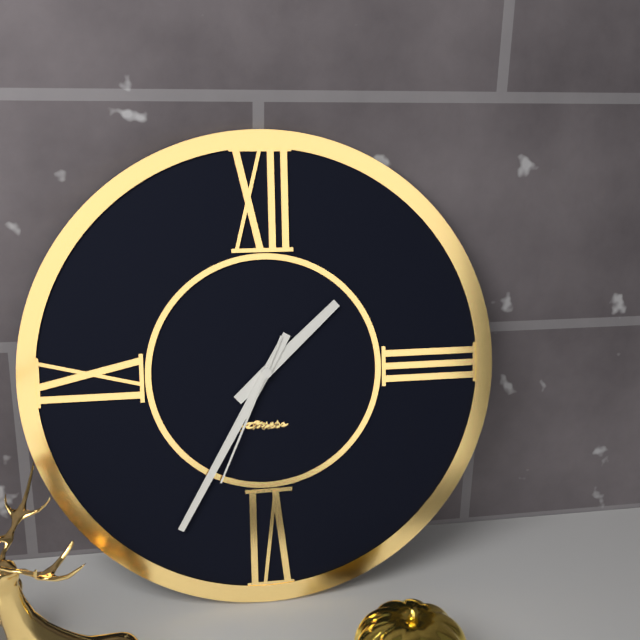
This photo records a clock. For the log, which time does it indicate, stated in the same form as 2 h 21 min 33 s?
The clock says 1 h 35 min 34 s
